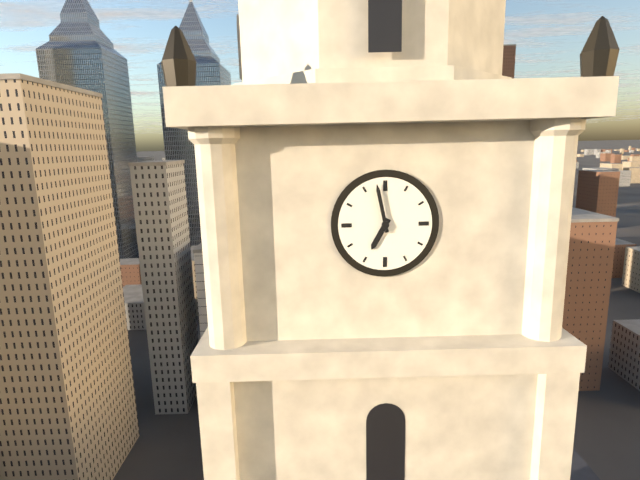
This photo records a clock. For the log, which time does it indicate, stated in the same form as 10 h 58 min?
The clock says 6 h 58 min
